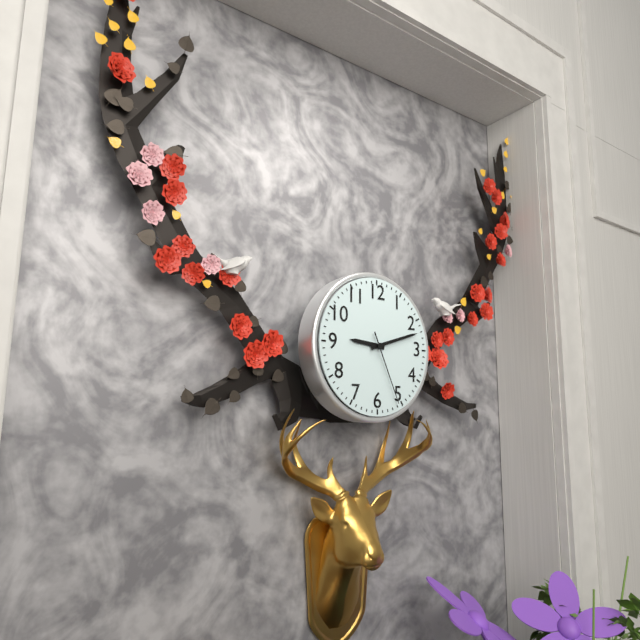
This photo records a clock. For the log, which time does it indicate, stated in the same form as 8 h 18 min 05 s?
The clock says 9 h 12 min 26 s
